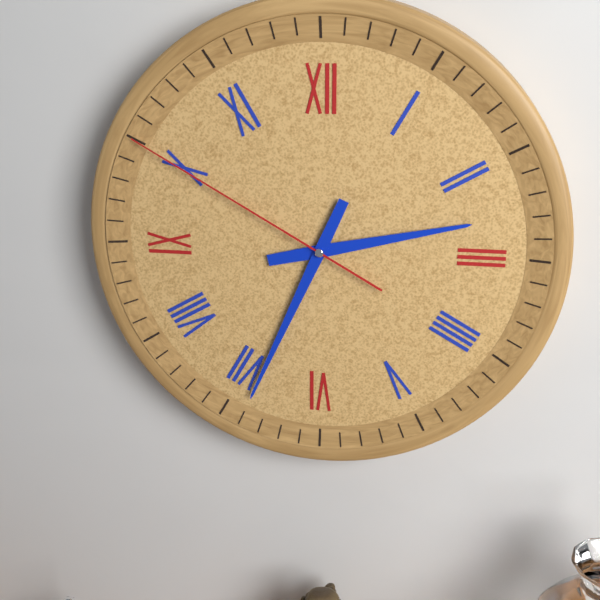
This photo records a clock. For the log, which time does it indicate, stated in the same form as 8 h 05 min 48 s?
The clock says 2 h 34 min 50 s
